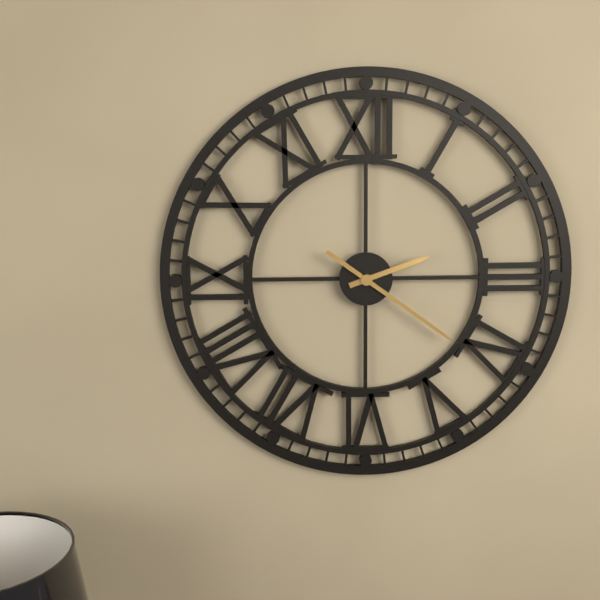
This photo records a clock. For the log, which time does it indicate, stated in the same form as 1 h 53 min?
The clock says 2 h 21 min
